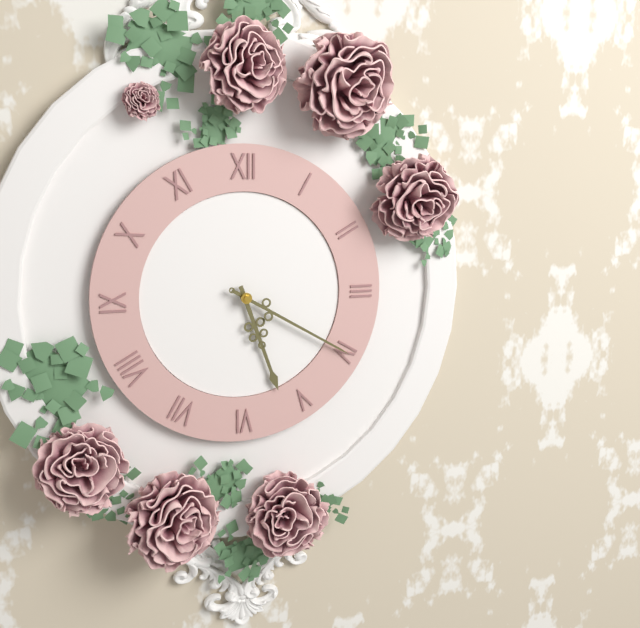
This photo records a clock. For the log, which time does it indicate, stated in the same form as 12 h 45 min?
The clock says 5 h 20 min
